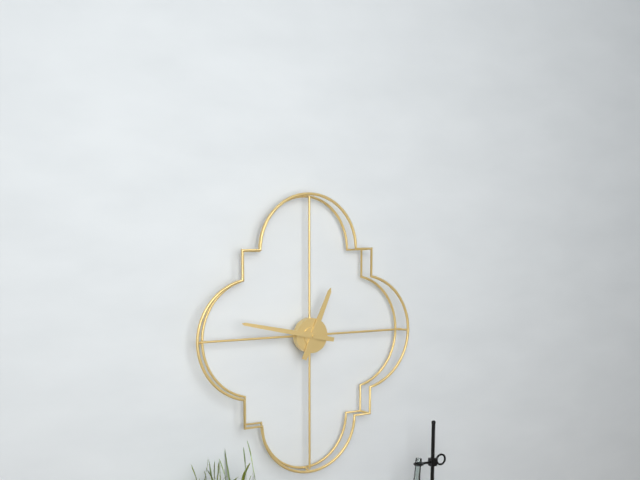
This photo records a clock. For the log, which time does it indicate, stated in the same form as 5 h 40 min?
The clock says 12 h 47 min
